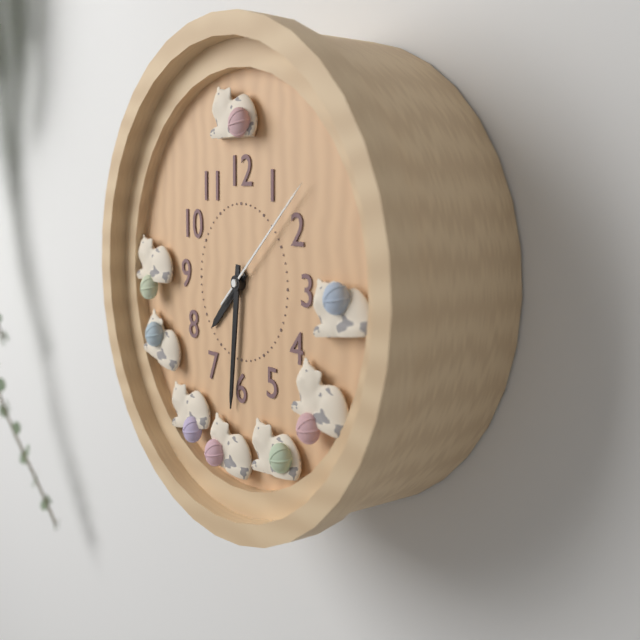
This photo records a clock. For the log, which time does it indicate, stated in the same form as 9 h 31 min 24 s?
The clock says 7 h 31 min 08 s
